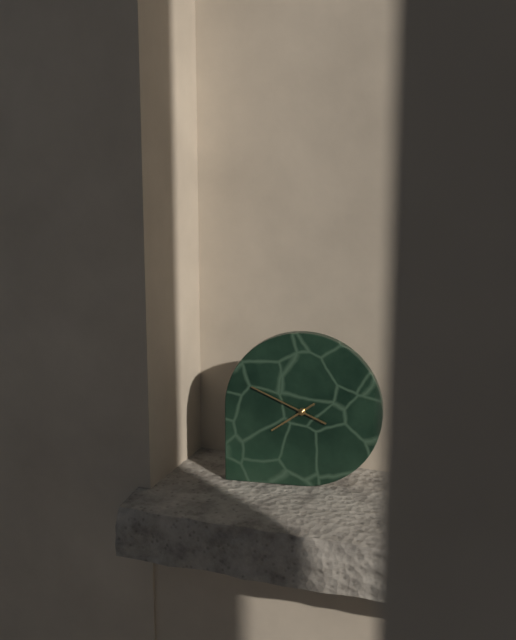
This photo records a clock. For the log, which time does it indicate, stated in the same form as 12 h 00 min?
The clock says 7 h 49 min
